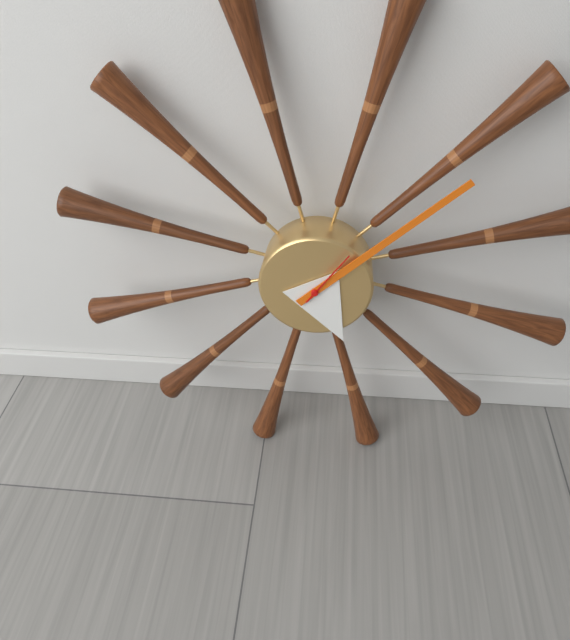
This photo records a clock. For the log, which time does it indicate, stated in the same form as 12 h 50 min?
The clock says 5 h 08 min
